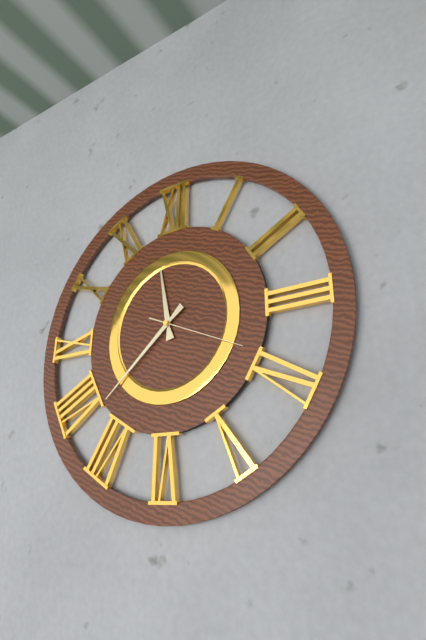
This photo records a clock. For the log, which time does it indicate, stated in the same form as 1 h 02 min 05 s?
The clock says 11 h 38 min 19 s
